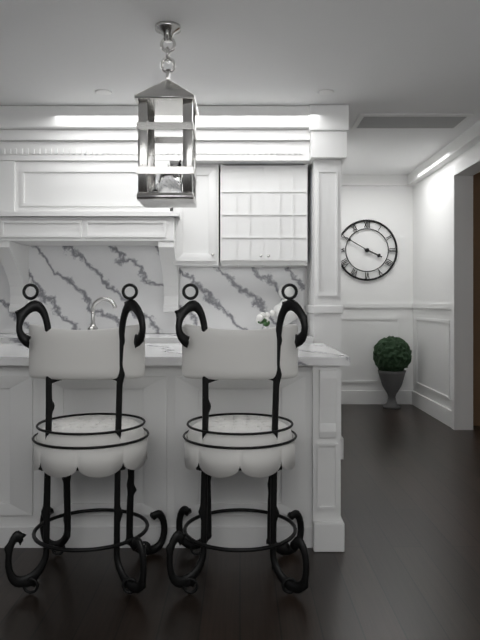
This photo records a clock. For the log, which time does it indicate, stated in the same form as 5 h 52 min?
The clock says 3 h 50 min
